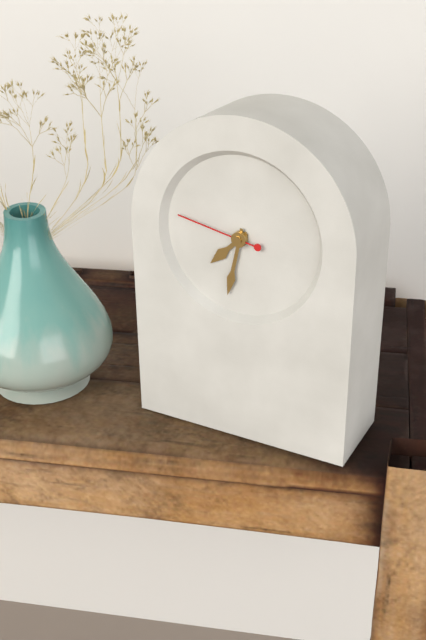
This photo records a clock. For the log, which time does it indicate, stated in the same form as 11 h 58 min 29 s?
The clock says 7 h 32 min 47 s
